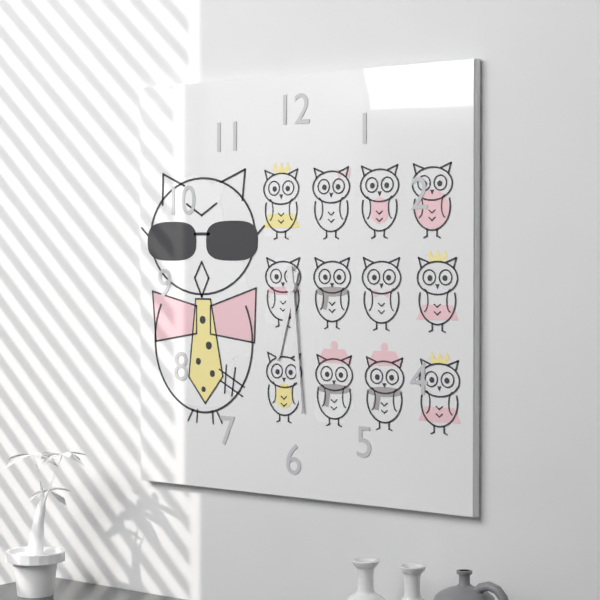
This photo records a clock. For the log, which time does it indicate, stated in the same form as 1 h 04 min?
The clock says 6 h 29 min
